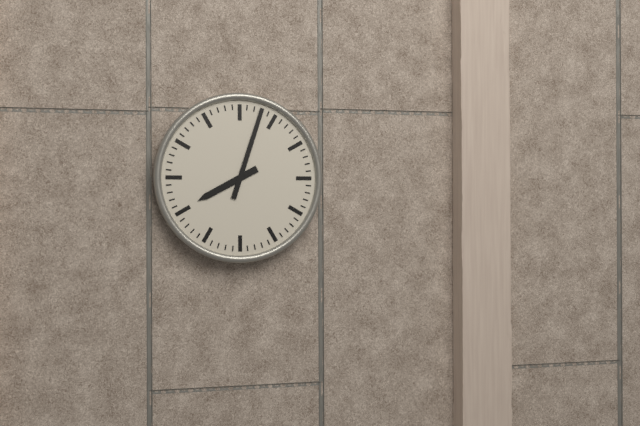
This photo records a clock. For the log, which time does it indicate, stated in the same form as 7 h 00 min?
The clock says 8 h 03 min
